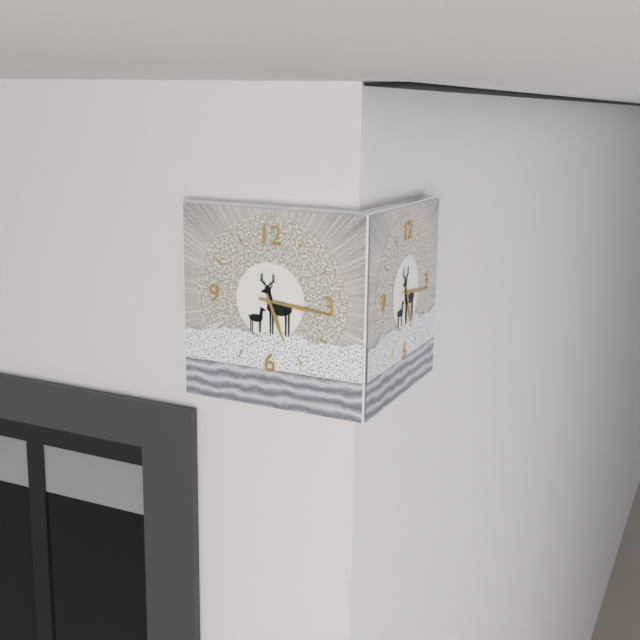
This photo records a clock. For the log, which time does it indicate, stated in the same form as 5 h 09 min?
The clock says 5 h 16 min
